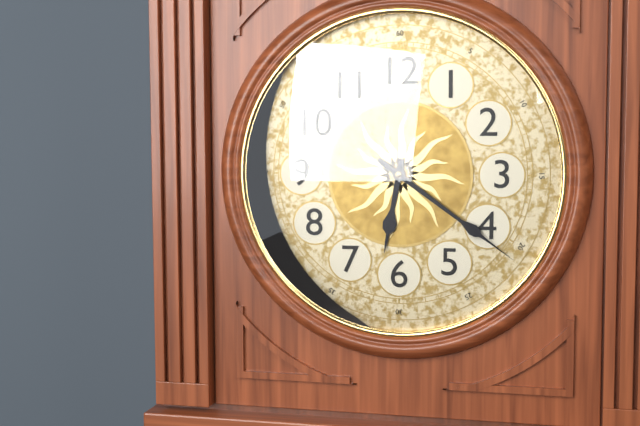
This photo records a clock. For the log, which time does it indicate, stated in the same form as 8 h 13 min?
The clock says 6 h 21 min
